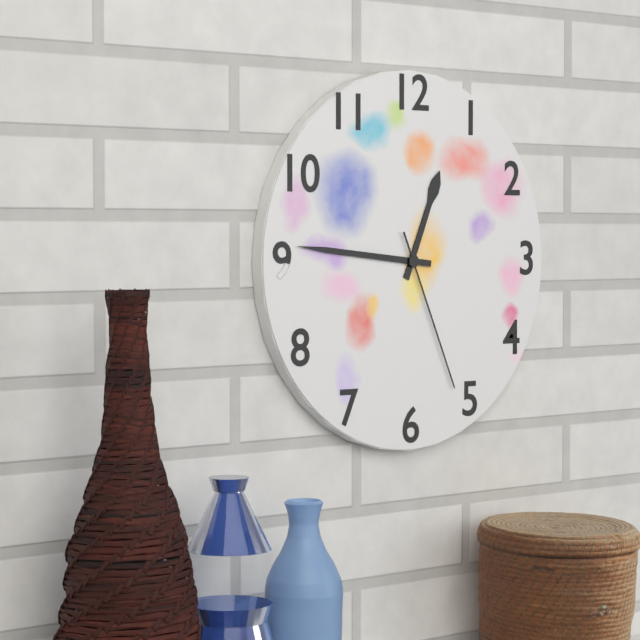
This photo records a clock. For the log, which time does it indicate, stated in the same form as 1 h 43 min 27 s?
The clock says 12 h 46 min 26 s
